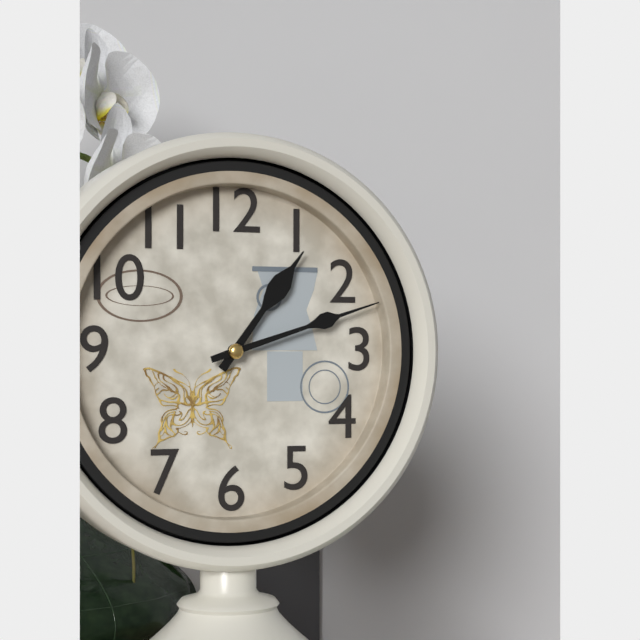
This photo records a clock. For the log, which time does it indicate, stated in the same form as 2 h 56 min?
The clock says 1 h 12 min
